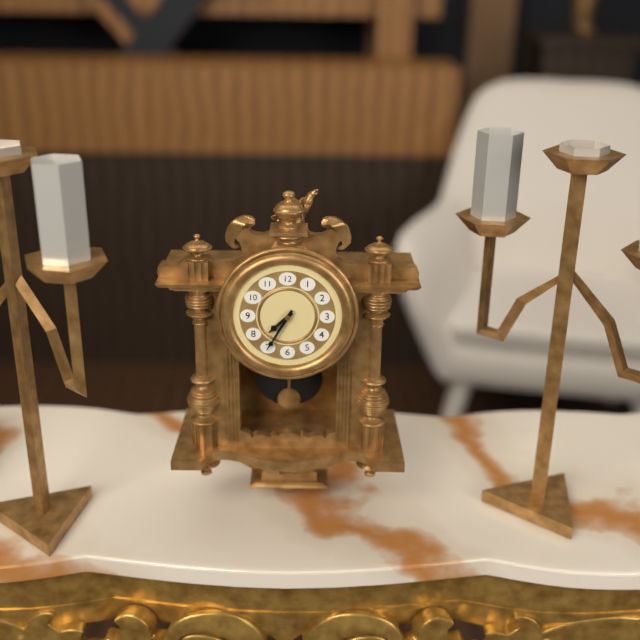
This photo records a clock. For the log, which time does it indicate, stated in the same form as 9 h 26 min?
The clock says 7 h 35 min
